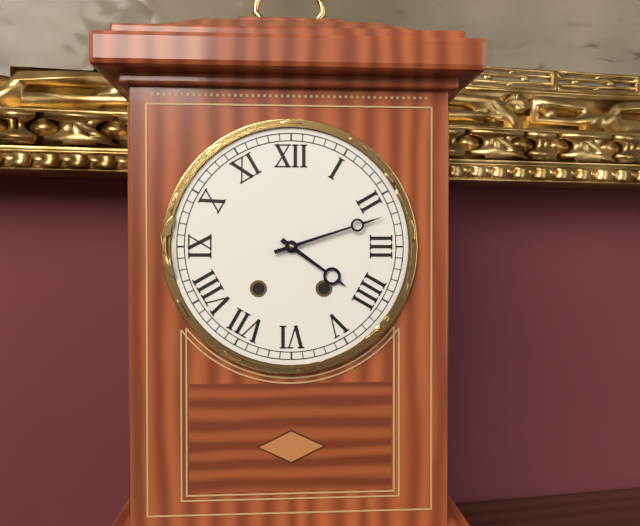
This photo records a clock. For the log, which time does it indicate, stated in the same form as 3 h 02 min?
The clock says 4 h 12 min
